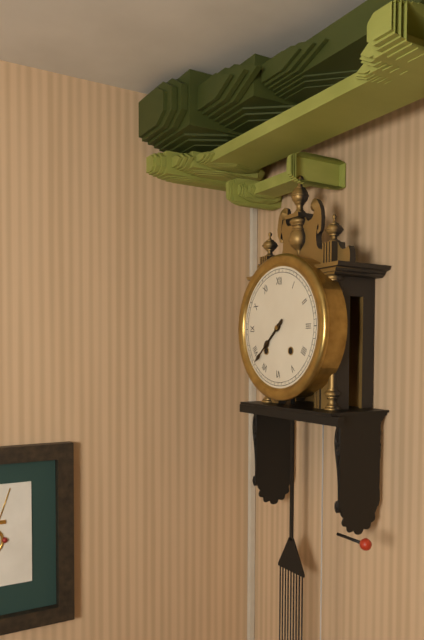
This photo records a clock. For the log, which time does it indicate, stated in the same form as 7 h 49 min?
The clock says 7 h 38 min
